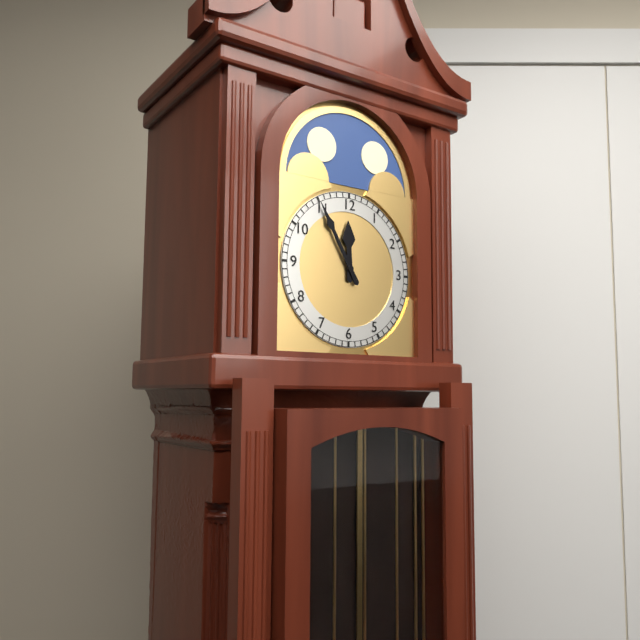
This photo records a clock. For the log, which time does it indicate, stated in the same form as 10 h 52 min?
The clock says 11 h 55 min
